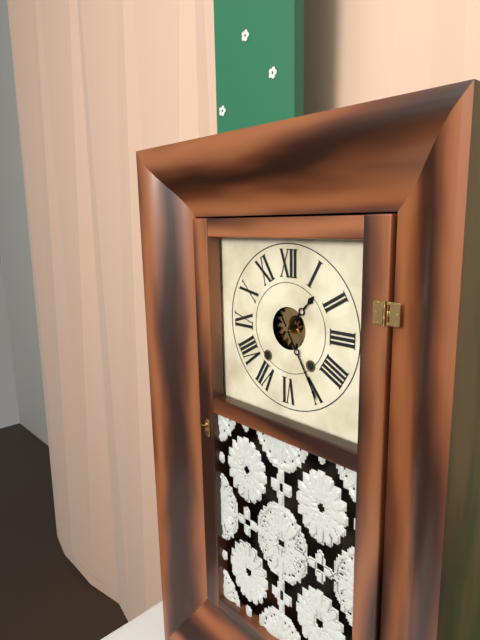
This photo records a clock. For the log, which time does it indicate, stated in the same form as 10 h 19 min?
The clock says 1 h 25 min
